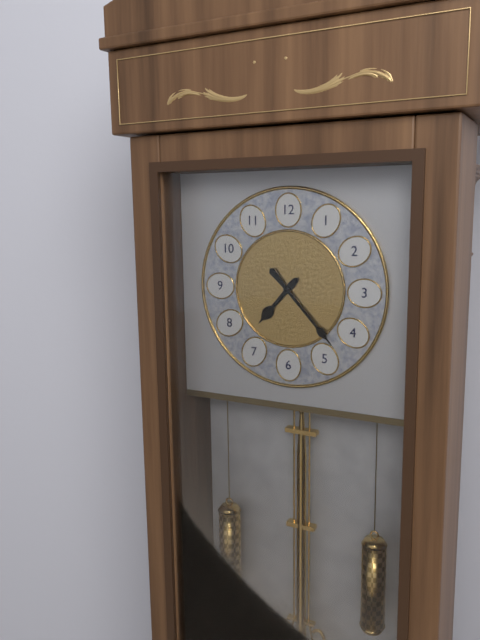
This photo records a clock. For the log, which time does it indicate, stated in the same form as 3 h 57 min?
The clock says 7 h 23 min
